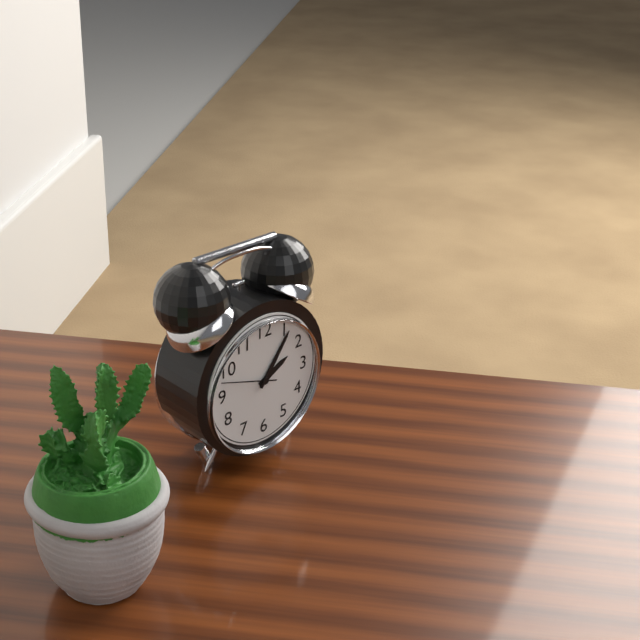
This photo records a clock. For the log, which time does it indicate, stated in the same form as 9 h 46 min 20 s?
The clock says 2 h 06 min 48 s
